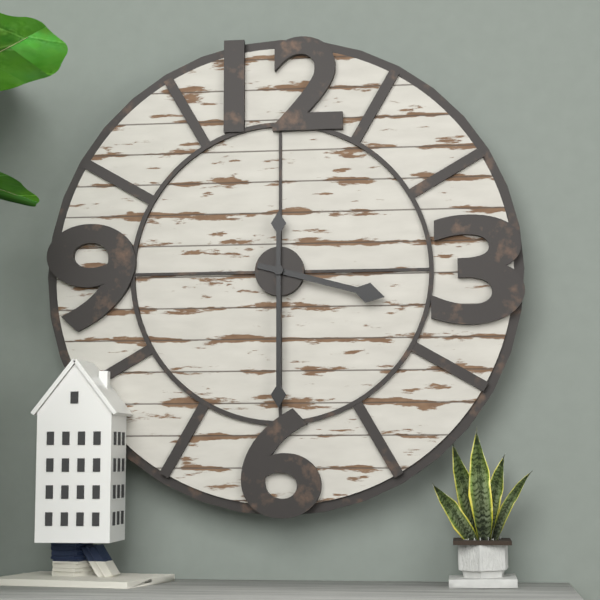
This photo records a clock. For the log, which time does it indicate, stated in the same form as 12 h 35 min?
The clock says 3 h 30 min
